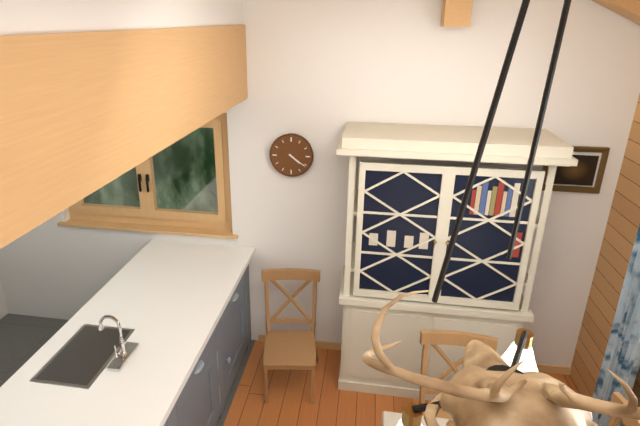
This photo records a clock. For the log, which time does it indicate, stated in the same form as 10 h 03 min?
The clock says 4 h 21 min
